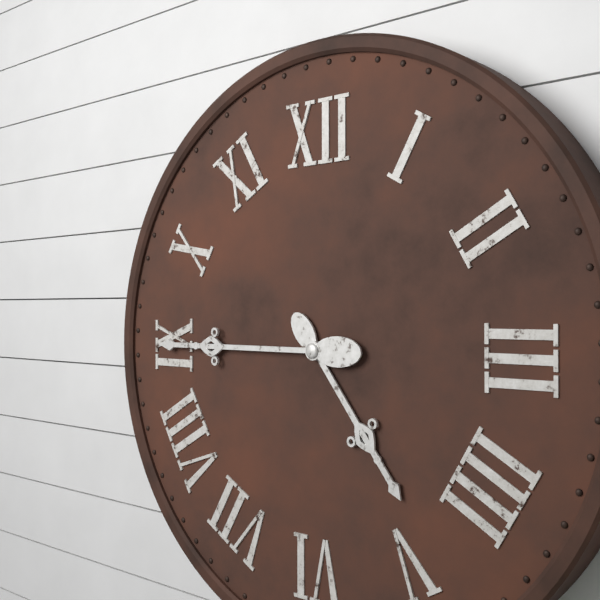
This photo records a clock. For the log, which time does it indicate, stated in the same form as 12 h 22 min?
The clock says 4 h 45 min
